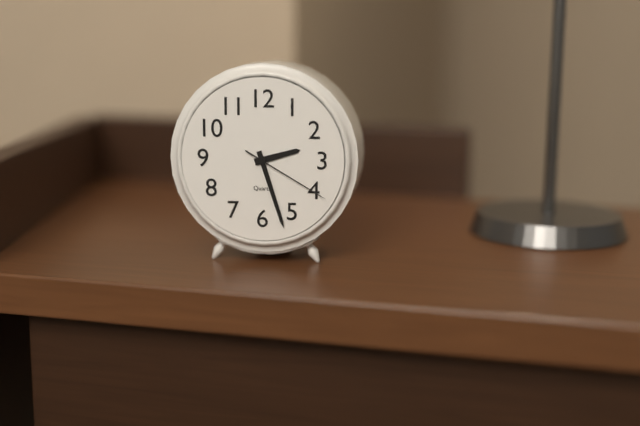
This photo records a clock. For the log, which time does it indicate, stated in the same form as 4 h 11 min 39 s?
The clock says 2 h 27 min 20 s
